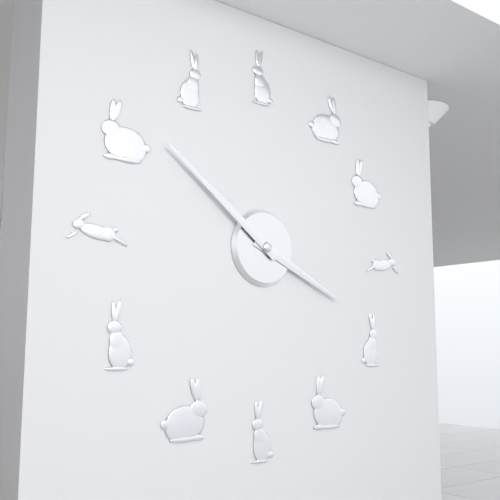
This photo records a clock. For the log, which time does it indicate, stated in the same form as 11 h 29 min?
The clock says 3 h 51 min
